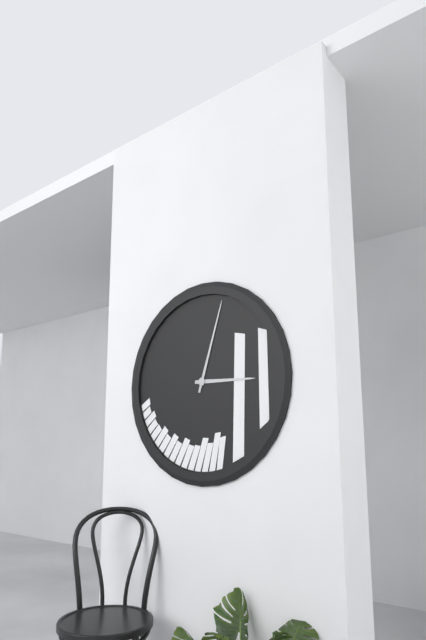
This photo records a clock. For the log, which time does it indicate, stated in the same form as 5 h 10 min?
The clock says 3 h 03 min
